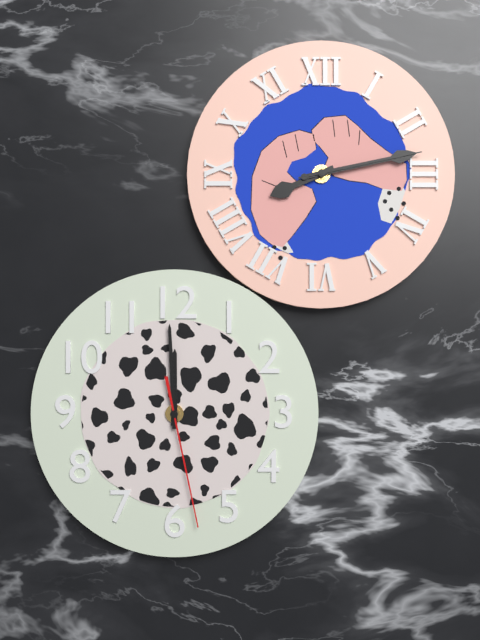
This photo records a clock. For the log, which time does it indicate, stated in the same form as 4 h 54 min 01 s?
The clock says 8 h 13 min 13 s
